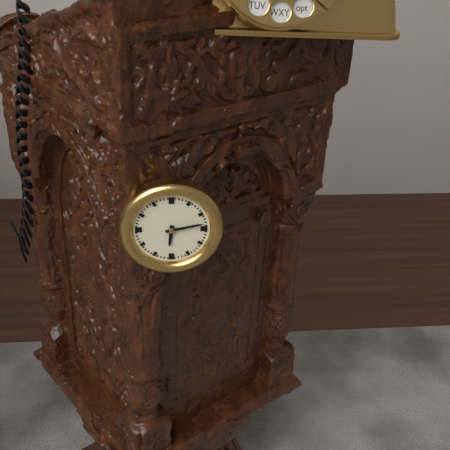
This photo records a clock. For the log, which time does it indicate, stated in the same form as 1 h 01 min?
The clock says 6 h 13 min
